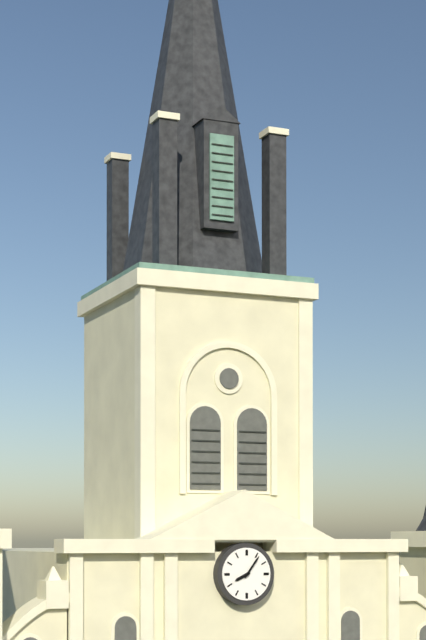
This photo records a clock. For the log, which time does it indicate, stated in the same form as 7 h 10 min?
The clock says 8 h 06 min
